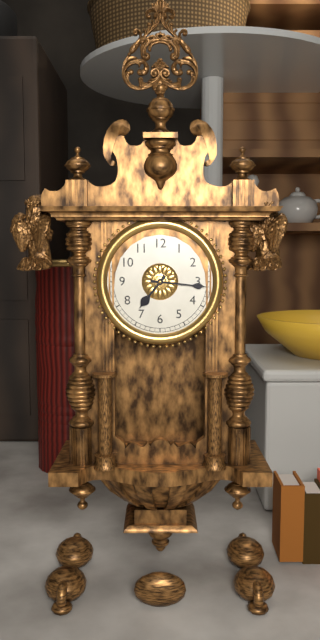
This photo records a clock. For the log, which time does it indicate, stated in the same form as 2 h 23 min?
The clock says 7 h 16 min
